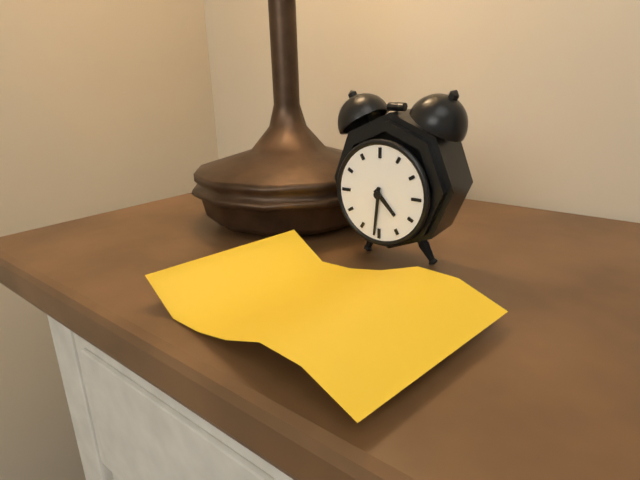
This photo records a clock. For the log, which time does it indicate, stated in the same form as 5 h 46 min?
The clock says 4 h 31 min
